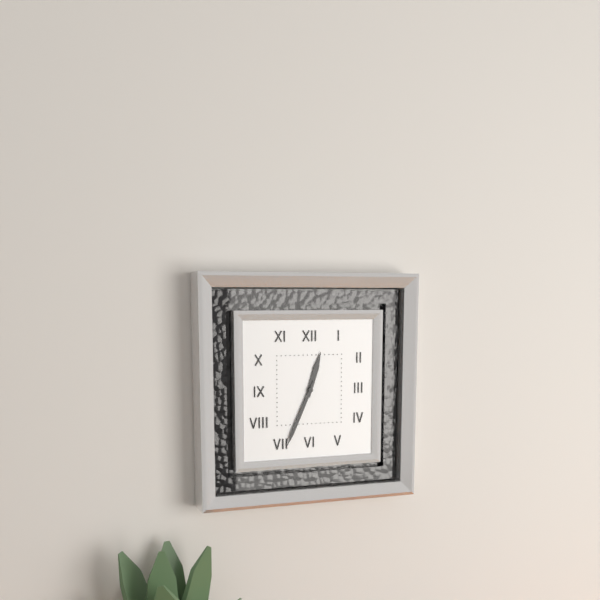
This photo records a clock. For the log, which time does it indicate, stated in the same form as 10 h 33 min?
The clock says 12 h 34 min
